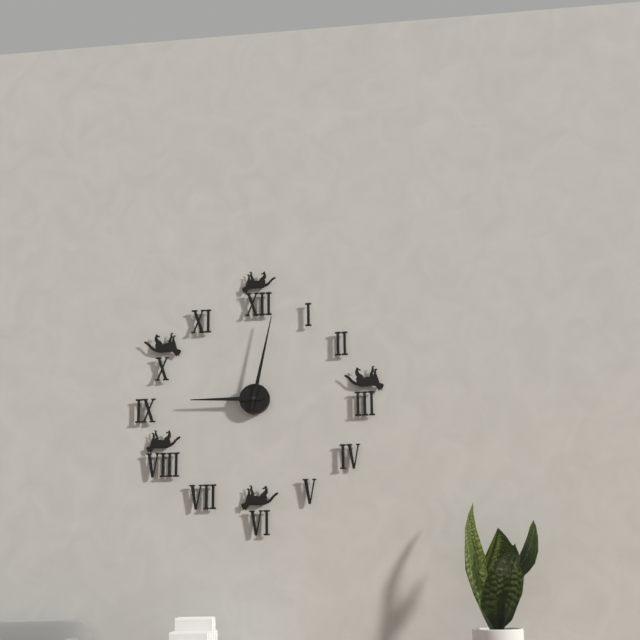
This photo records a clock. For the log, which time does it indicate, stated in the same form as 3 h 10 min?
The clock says 9 h 02 min
